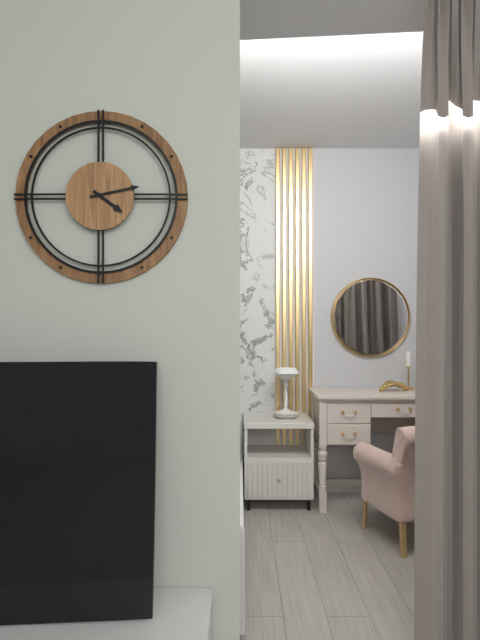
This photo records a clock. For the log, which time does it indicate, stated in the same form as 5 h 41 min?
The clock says 4 h 13 min
